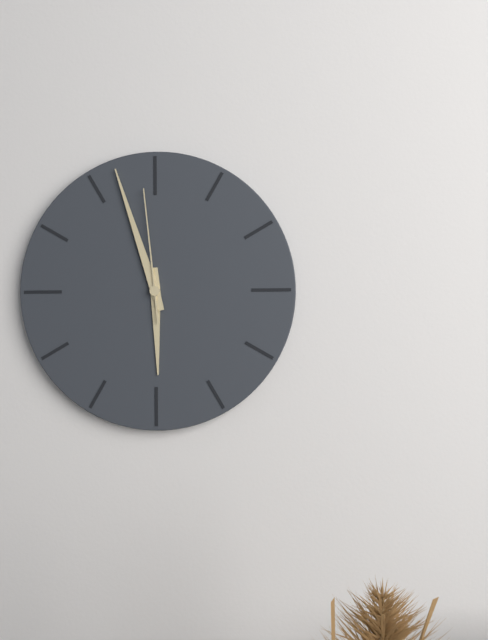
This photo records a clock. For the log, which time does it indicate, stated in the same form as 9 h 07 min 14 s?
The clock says 5 h 57 min 59 s
